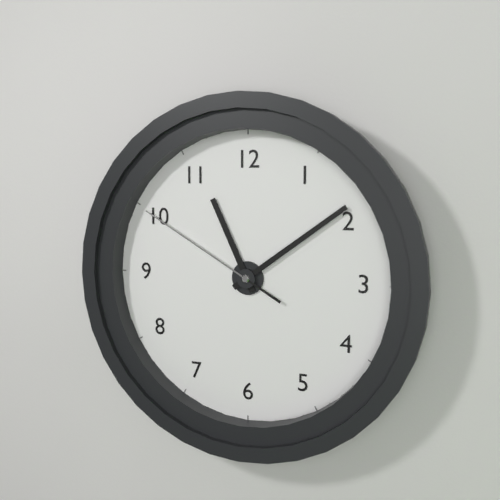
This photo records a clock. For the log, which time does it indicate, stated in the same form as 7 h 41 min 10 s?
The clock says 11 h 09 min 50 s
